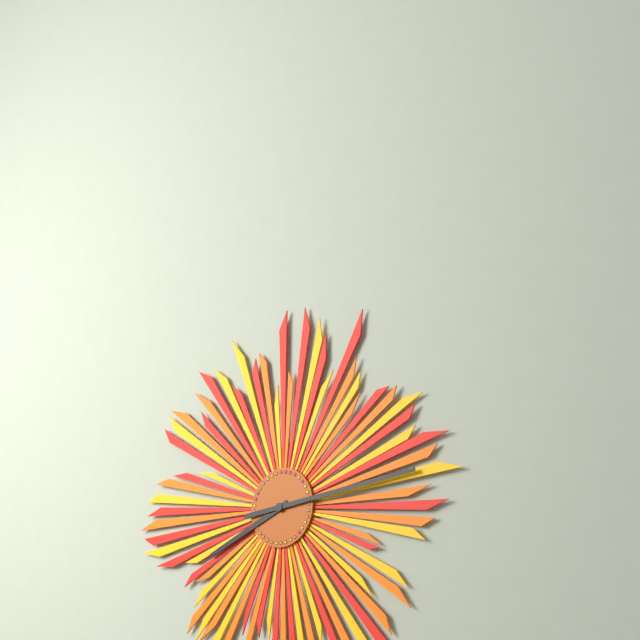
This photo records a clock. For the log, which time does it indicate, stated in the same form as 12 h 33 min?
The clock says 8 h 14 min
